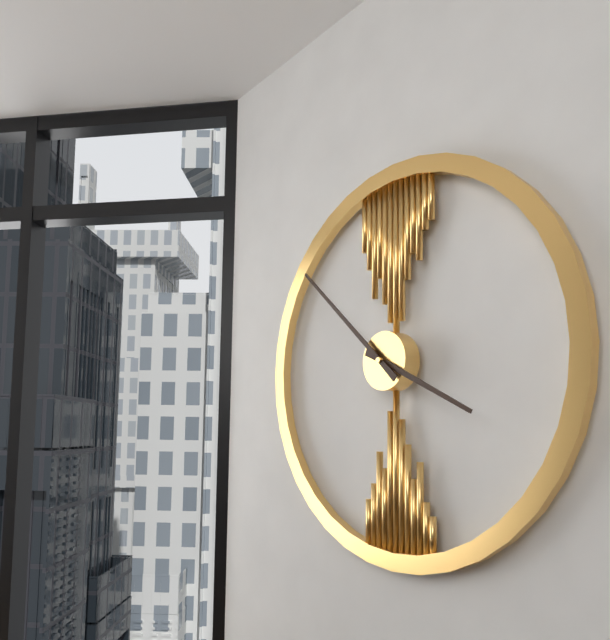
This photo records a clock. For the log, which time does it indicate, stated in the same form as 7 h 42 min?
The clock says 3 h 52 min
